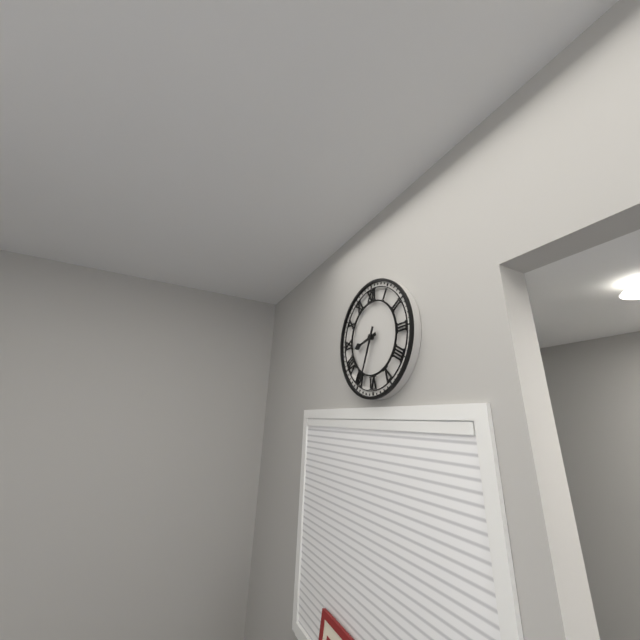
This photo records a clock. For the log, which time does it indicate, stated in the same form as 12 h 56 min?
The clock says 8 h 34 min
